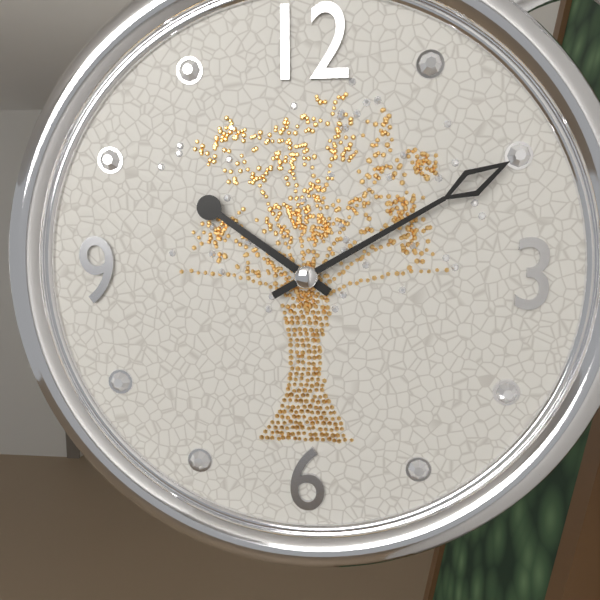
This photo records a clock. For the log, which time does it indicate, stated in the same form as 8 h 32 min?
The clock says 10 h 10 min
